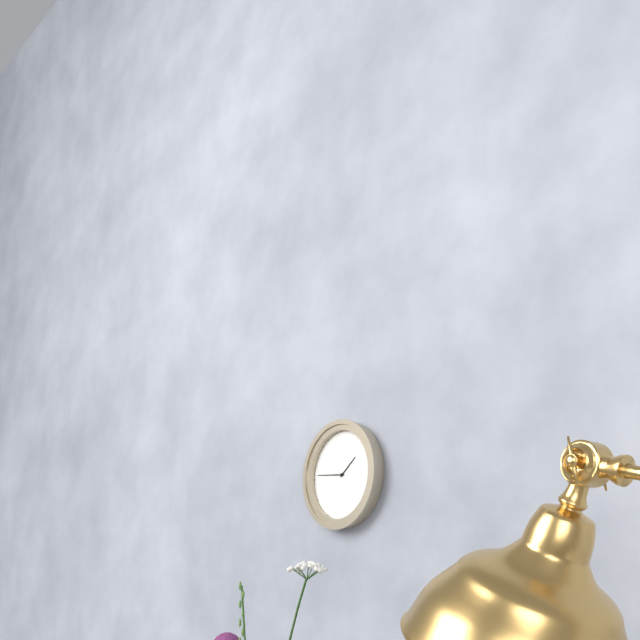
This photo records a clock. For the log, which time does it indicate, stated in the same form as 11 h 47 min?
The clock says 1 h 46 min
